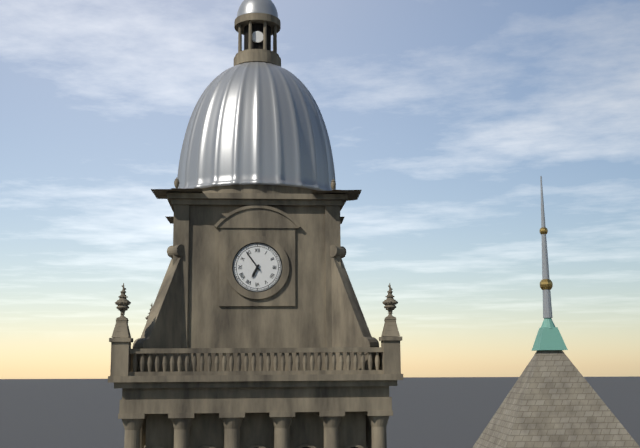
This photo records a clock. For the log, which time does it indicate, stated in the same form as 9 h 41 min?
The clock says 6 h 54 min
